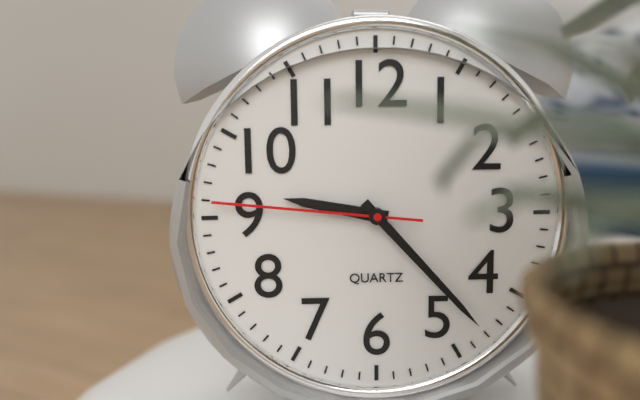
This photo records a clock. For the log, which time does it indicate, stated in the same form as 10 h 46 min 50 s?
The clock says 9 h 23 min 46 s
